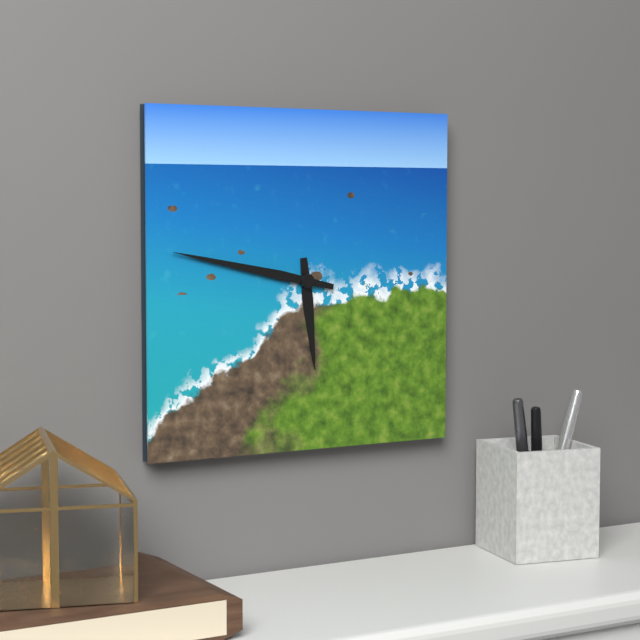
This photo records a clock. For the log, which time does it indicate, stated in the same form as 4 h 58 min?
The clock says 5 h 47 min
